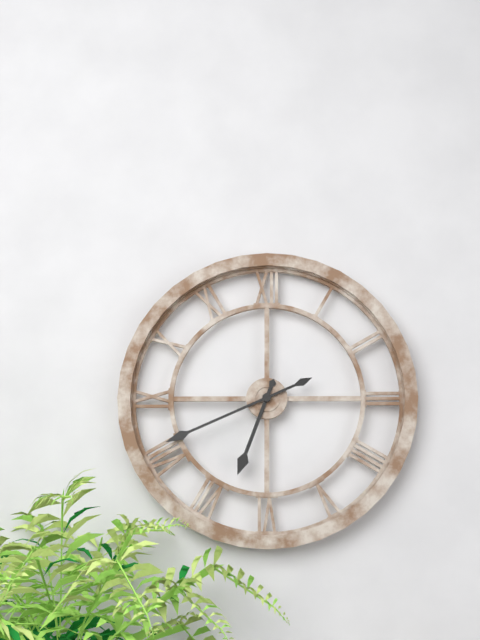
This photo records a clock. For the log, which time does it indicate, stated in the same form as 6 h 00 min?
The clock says 6 h 41 min
